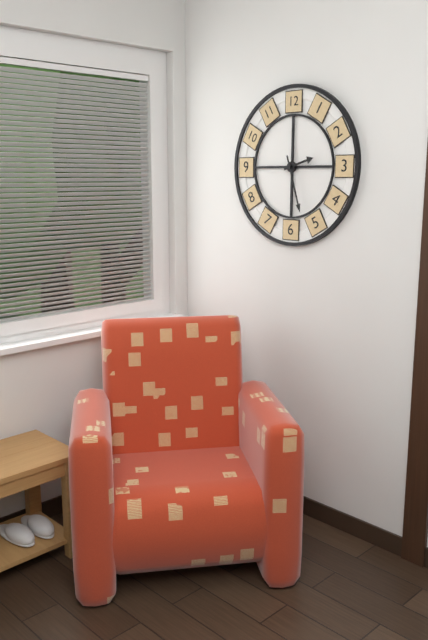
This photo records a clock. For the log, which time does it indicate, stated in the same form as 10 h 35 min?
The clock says 2 h 27 min
